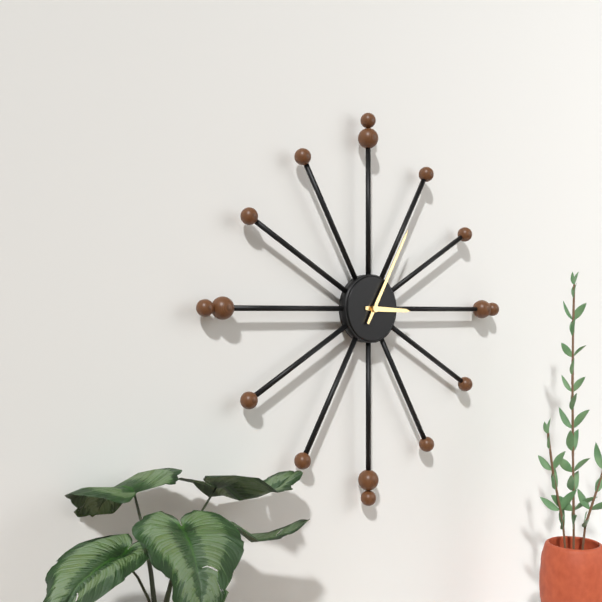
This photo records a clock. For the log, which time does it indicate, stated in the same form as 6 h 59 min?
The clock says 3 h 05 min
